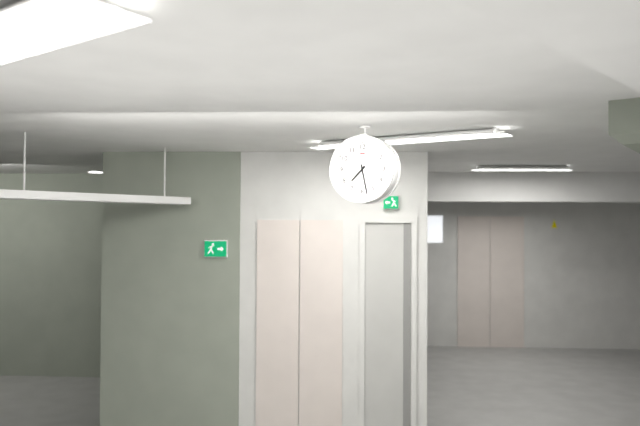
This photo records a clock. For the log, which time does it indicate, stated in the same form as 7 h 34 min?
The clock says 7 h 28 min
